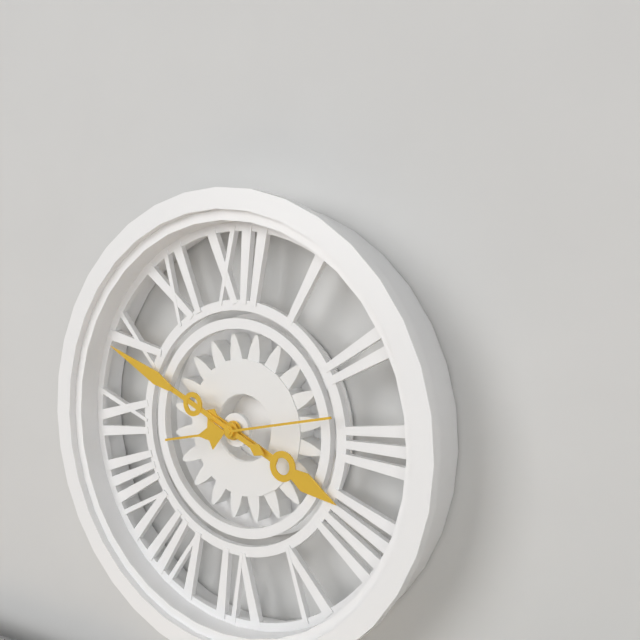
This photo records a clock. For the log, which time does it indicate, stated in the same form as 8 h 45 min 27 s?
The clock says 3 h 49 min 13 s
